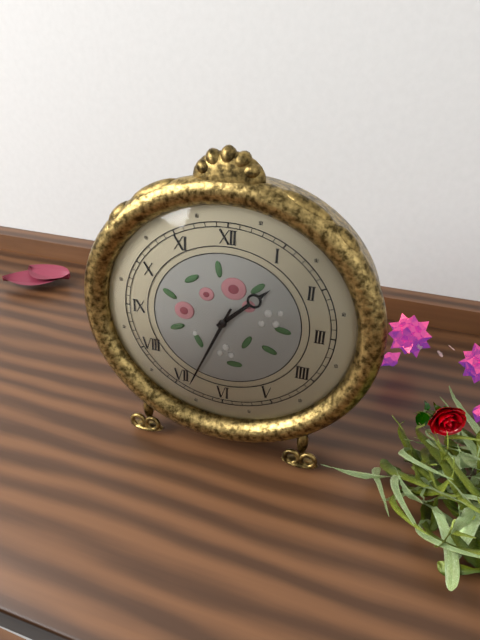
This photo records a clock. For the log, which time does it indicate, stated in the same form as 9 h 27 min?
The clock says 1 h 34 min
